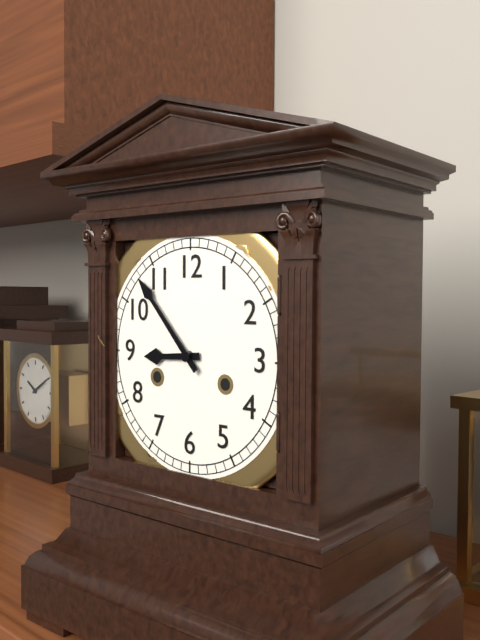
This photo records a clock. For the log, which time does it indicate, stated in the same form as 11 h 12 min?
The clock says 8 h 53 min
